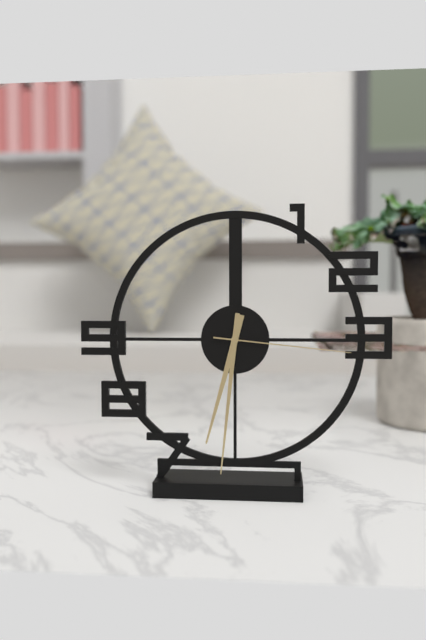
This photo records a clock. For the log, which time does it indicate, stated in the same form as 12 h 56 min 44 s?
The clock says 6 h 31 min 16 s
